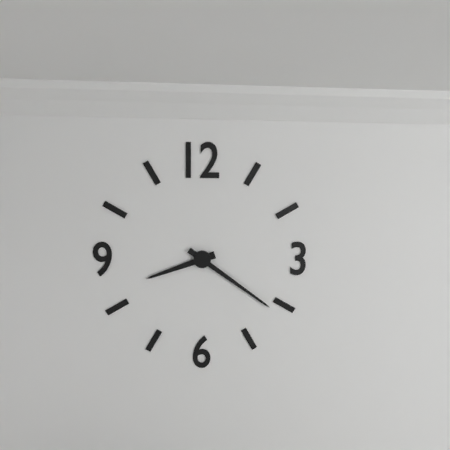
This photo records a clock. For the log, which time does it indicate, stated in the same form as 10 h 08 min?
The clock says 8 h 21 min
